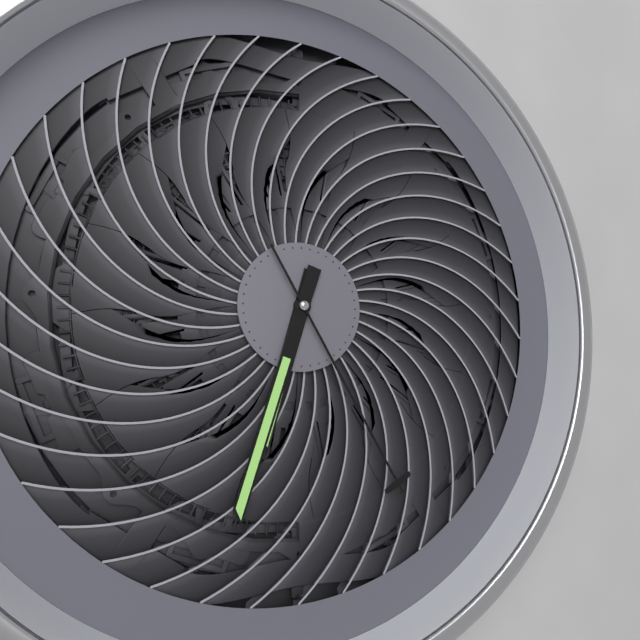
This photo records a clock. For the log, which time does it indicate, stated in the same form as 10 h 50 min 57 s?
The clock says 6 h 33 min 25 s
